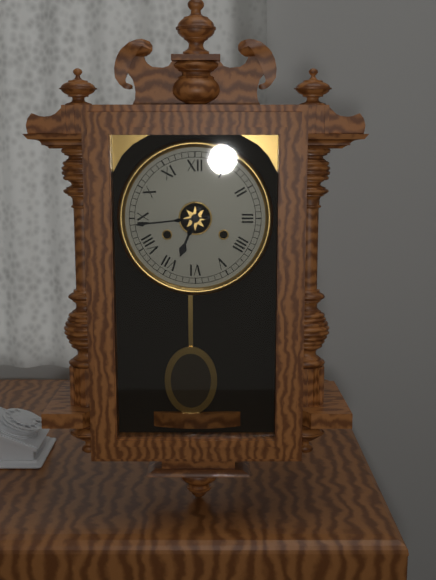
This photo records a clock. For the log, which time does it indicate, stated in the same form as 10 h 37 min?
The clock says 6 h 44 min
